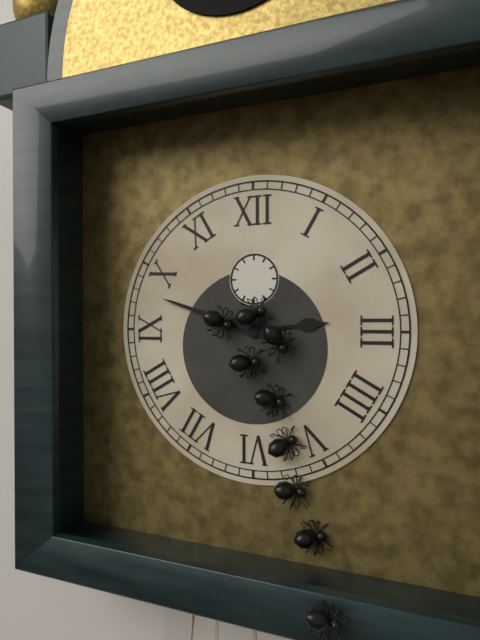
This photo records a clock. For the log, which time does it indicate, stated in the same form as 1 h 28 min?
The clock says 2 h 48 min
